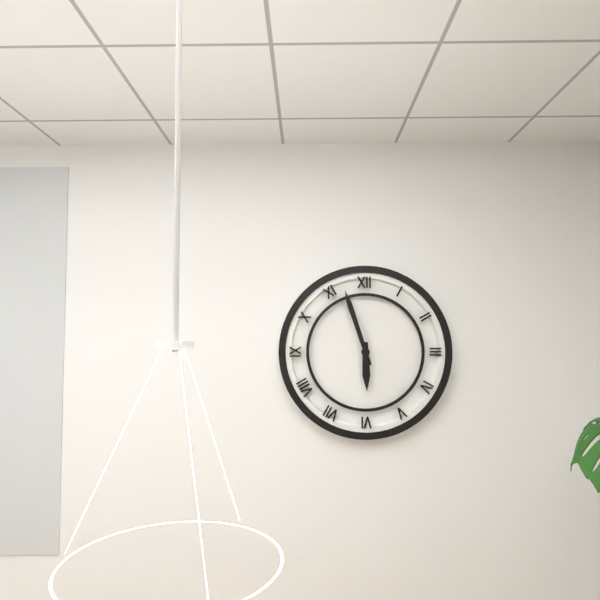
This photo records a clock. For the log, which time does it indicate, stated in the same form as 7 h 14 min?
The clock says 5 h 57 min
